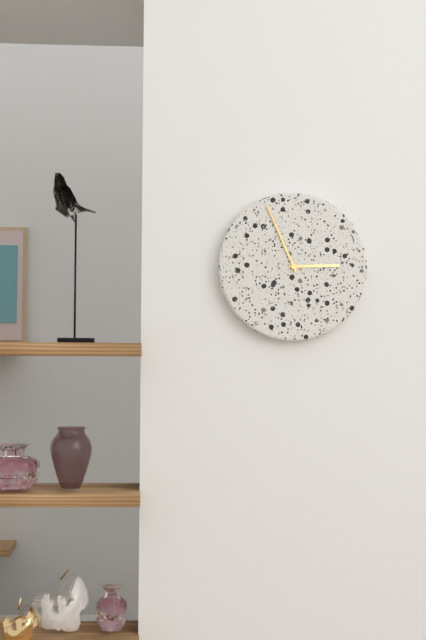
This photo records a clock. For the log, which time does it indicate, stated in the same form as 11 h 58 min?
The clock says 2 h 56 min
